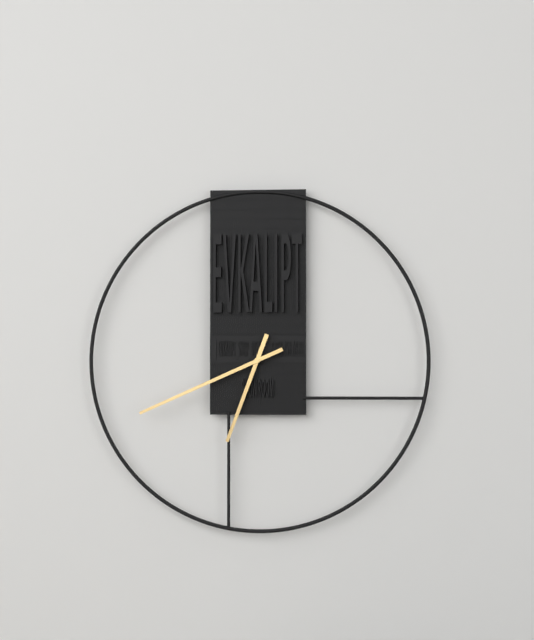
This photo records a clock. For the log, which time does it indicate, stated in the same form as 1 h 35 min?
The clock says 6 h 41 min
